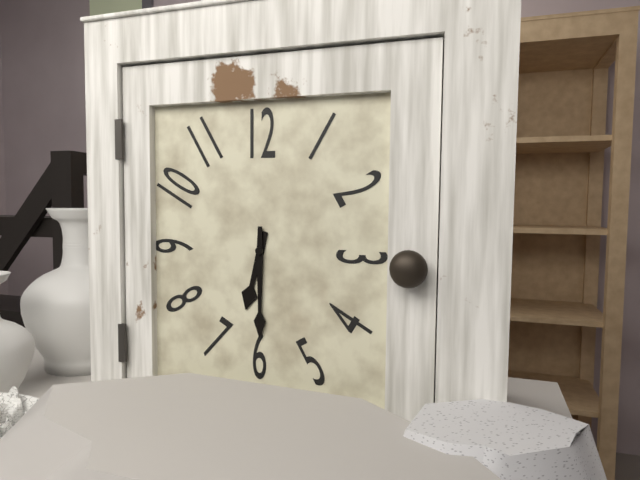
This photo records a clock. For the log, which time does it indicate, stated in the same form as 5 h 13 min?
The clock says 6 h 30 min
